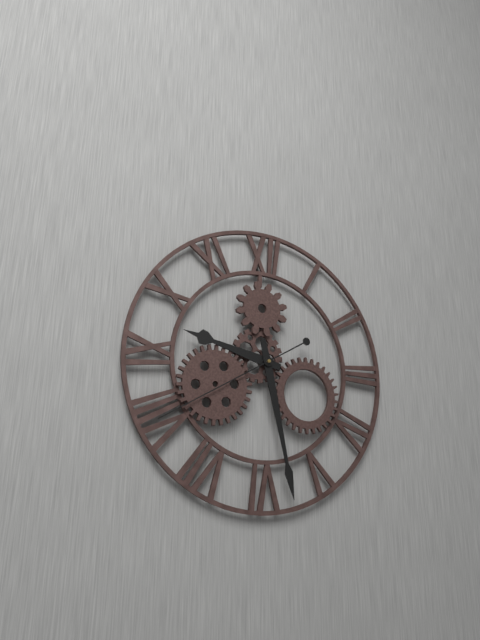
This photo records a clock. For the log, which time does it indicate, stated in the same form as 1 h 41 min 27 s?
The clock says 9 h 28 min 40 s
